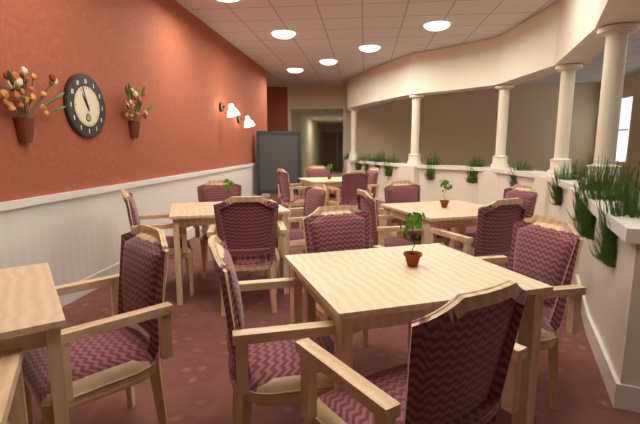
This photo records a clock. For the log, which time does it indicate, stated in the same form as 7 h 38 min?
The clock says 10 h 57 min
